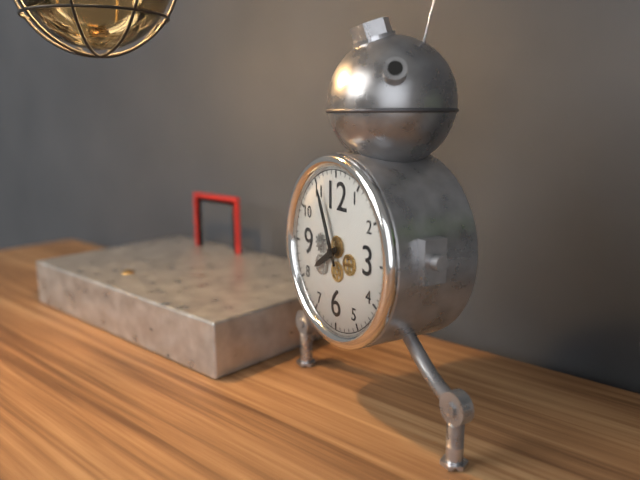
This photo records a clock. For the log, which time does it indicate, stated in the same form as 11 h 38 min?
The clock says 7 h 56 min
